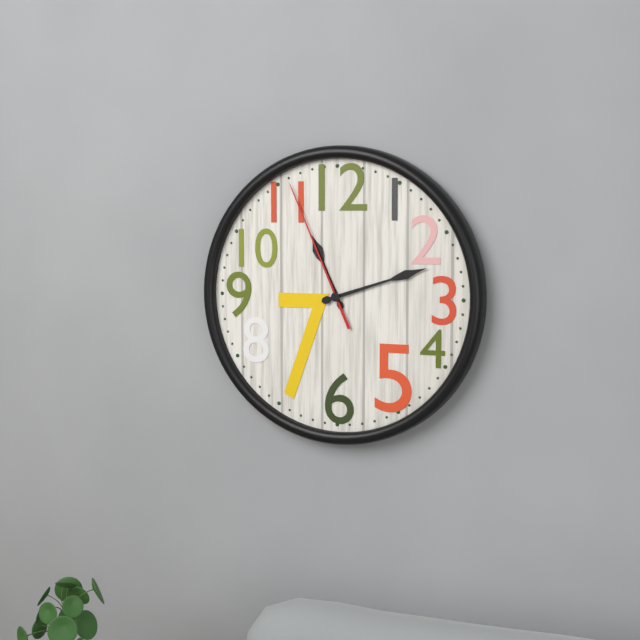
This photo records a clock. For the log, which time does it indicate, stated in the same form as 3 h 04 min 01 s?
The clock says 11 h 12 min 56 s
